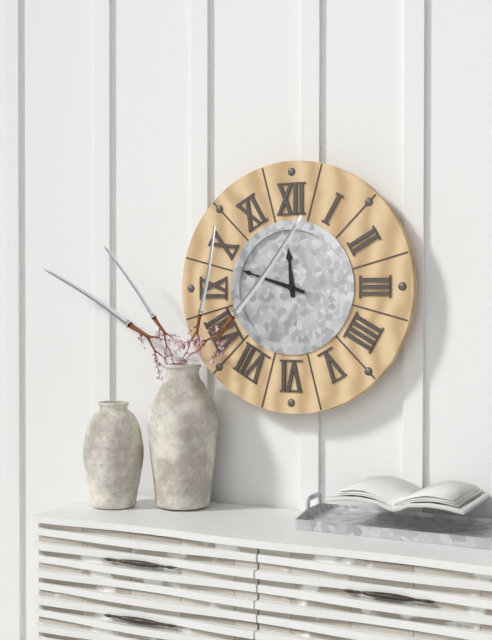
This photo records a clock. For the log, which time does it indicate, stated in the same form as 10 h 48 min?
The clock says 11 h 48 min
